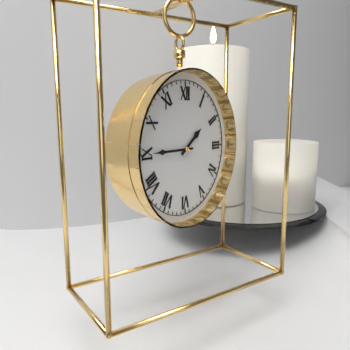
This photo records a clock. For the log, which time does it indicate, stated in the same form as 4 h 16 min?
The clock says 1 h 45 min
